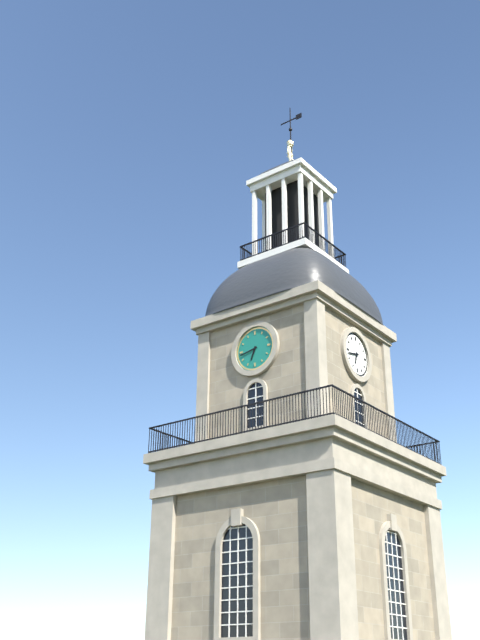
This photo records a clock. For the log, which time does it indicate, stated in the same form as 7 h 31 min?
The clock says 6 h 43 min
